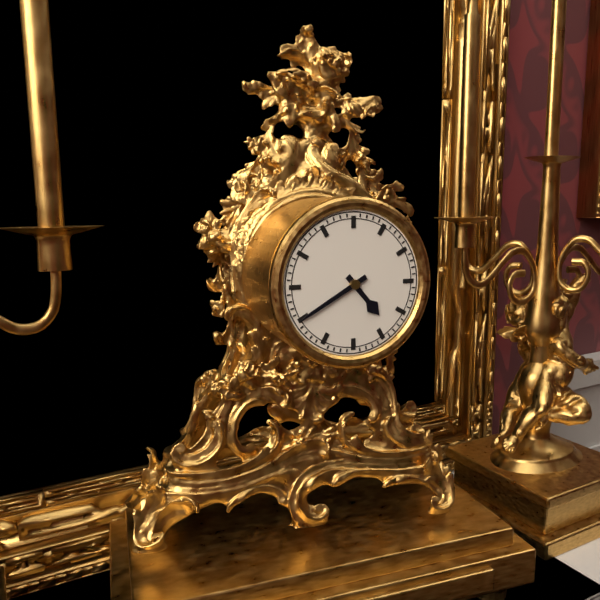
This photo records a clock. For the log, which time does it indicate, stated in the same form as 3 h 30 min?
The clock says 4 h 40 min
